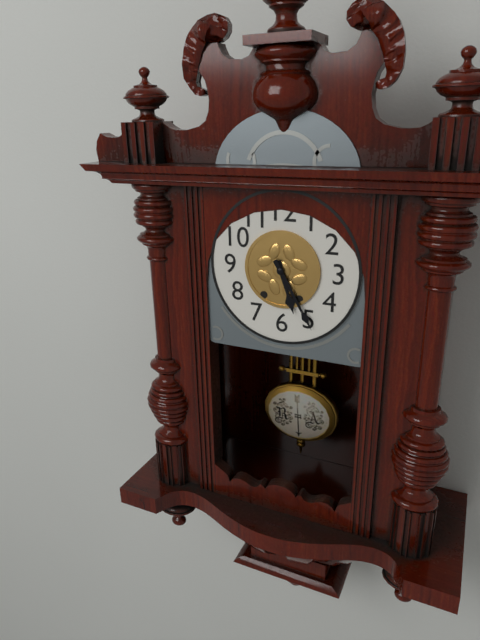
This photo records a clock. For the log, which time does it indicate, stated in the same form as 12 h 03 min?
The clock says 5 h 25 min
